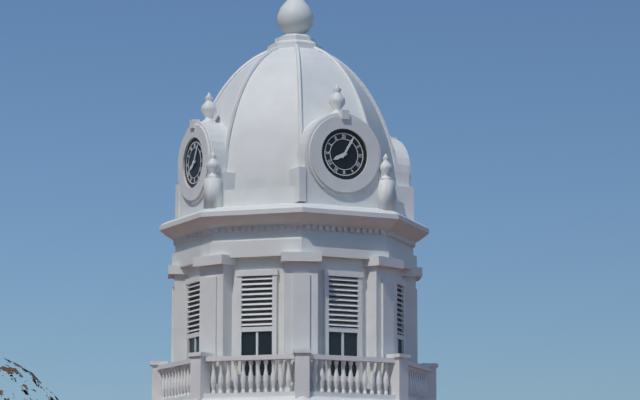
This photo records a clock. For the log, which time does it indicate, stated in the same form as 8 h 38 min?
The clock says 8 h 05 min
